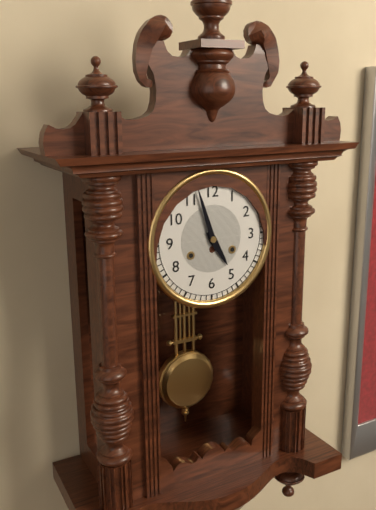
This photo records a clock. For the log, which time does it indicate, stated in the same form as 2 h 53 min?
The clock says 4 h 57 min
